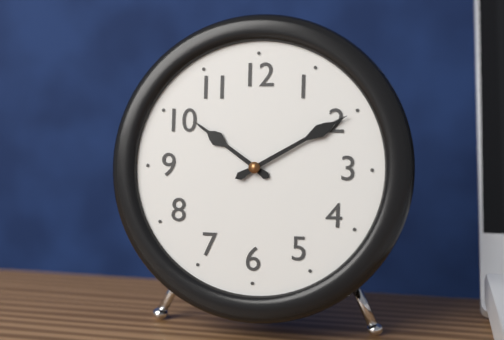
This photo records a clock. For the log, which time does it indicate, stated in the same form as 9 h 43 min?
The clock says 10 h 10 min
